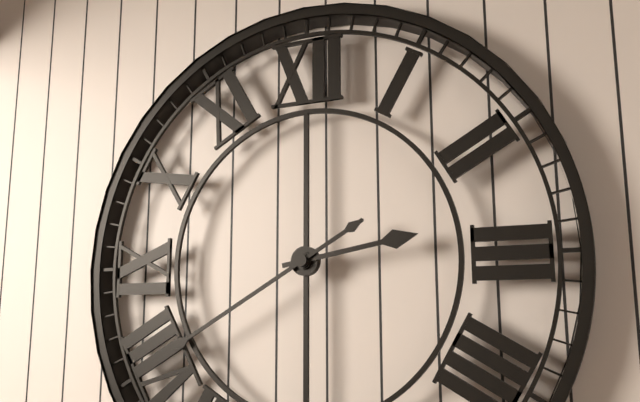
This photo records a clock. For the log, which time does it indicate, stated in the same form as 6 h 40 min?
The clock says 2 h 40 min
